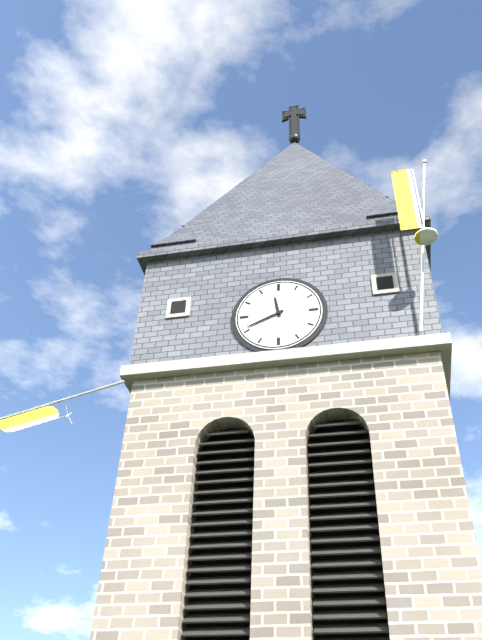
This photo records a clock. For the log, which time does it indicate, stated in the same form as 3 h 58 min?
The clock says 11 h 41 min
